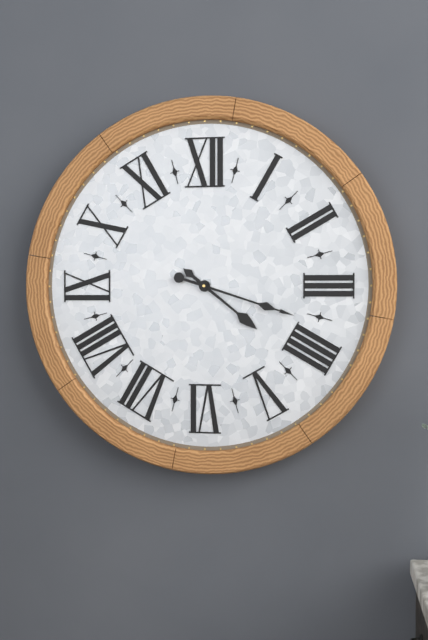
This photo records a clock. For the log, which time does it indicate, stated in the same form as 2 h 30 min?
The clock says 4 h 18 min
